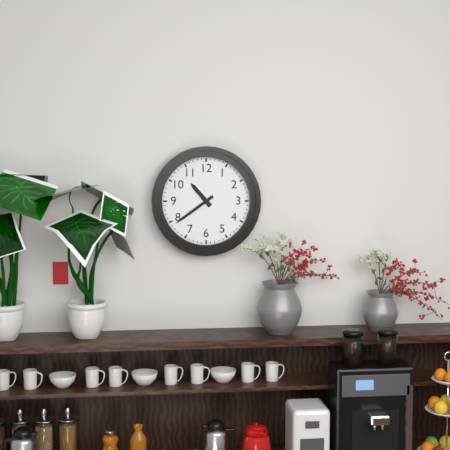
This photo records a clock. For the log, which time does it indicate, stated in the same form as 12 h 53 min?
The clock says 10 h 39 min
